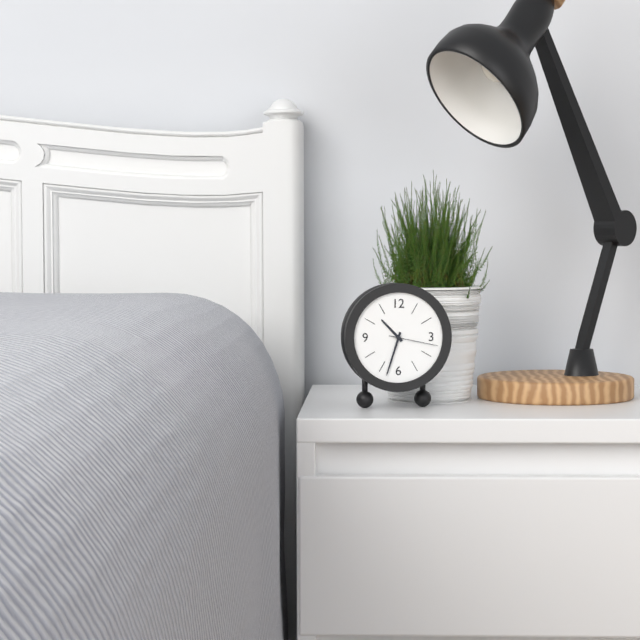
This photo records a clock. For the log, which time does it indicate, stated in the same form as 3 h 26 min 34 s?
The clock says 10 h 33 min 17 s
